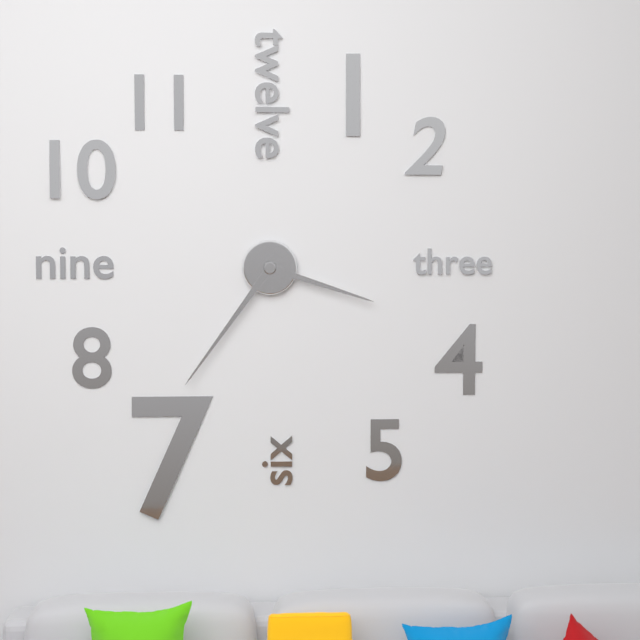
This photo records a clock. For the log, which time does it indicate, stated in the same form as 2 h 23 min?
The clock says 3 h 36 min
